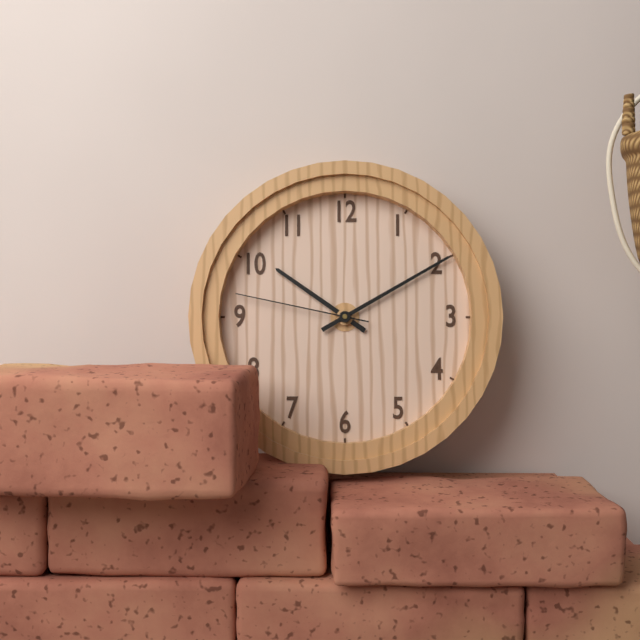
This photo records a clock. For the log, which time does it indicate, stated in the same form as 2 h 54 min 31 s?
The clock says 10 h 10 min 47 s
